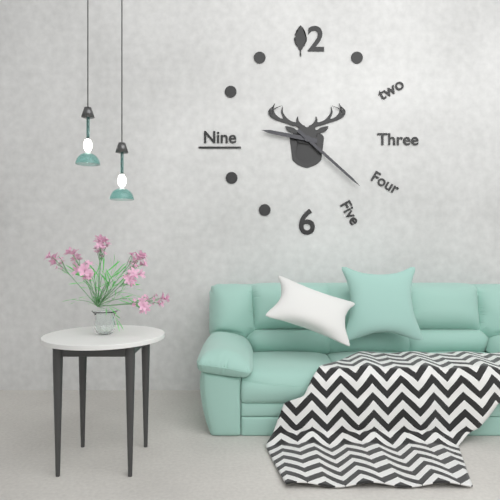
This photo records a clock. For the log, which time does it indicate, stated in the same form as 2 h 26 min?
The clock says 9 h 22 min
